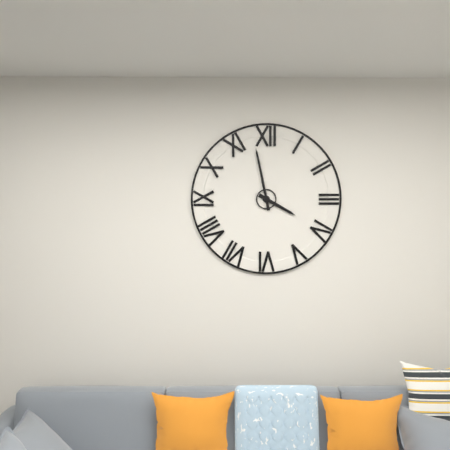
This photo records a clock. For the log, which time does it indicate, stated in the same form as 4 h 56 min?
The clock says 3 h 58 min
